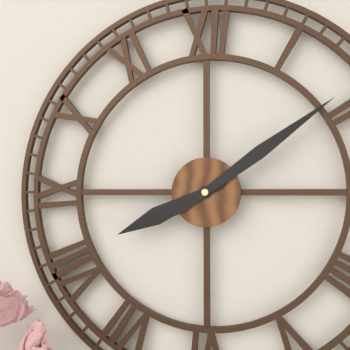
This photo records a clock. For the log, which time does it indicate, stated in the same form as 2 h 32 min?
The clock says 8 h 09 min
